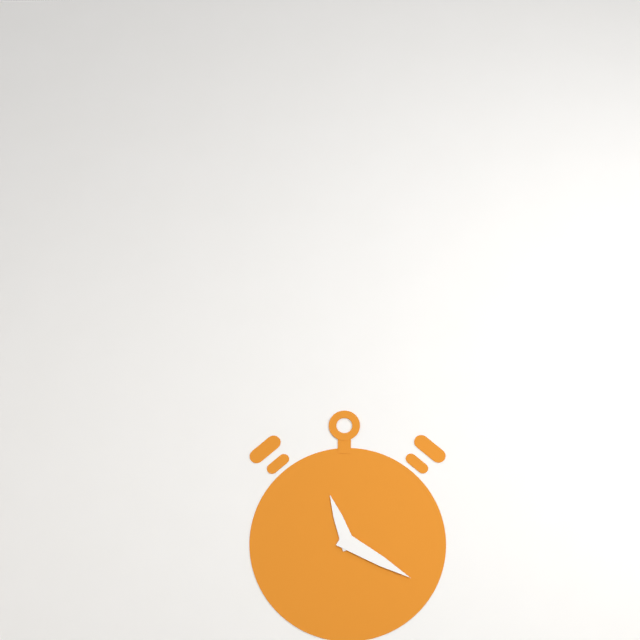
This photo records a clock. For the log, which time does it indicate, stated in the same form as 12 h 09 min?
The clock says 11 h 20 min
